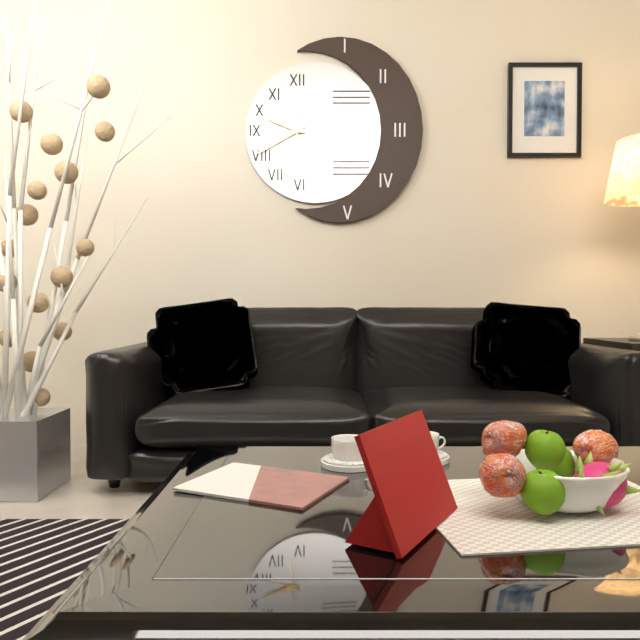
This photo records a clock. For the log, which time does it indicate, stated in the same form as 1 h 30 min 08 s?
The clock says 9 h 40 min 32 s
